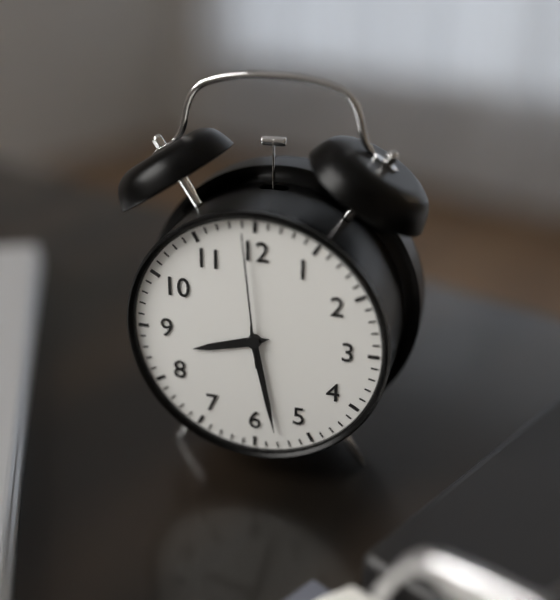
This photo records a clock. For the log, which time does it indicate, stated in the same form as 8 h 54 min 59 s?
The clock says 8 h 28 min 59 s
